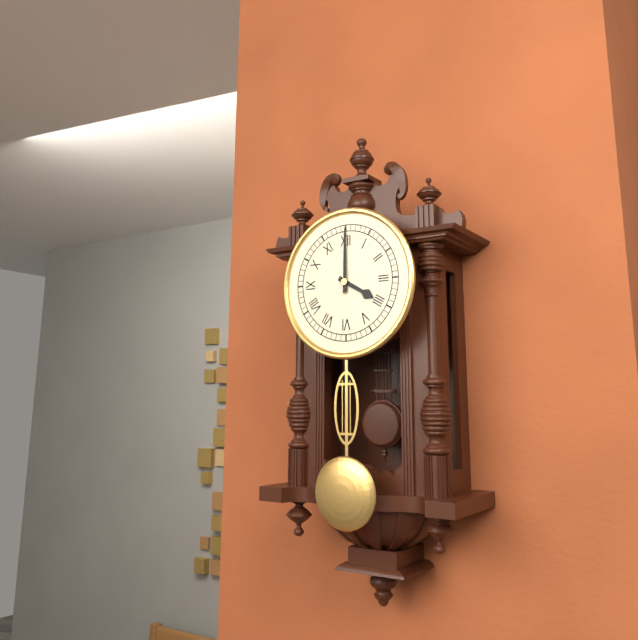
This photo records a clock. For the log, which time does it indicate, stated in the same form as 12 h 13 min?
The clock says 4 h 00 min
